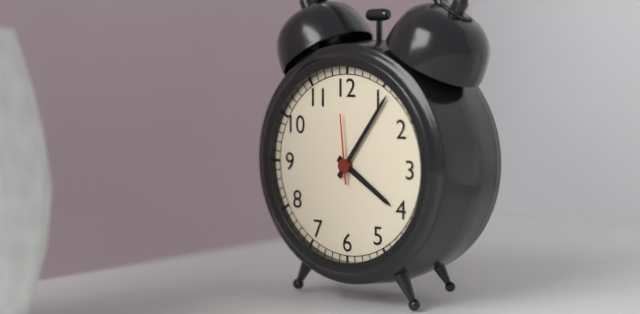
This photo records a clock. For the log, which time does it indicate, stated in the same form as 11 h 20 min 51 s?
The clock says 4 h 06 min 59 s
